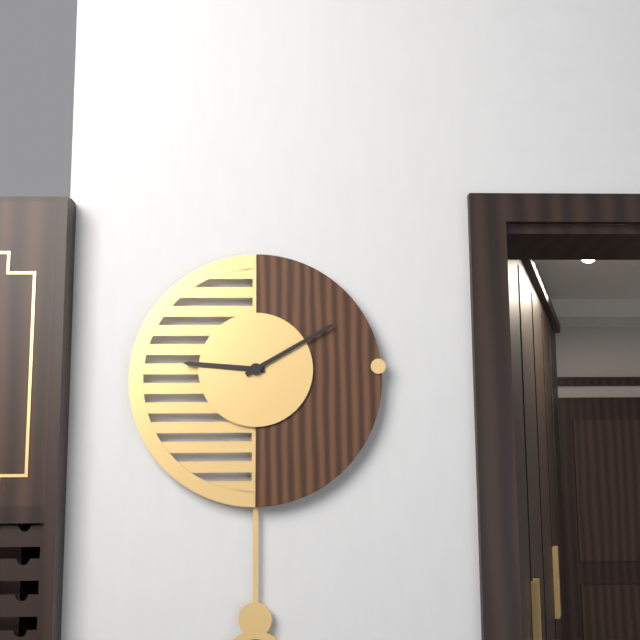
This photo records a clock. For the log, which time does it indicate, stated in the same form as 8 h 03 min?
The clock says 9 h 10 min
